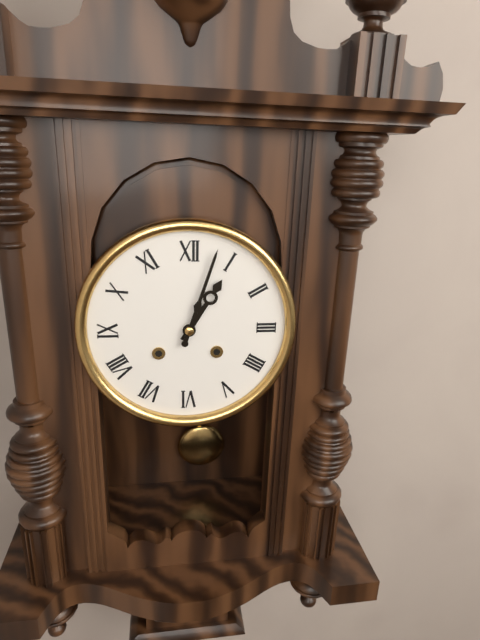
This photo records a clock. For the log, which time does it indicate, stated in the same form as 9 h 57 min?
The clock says 1 h 03 min
